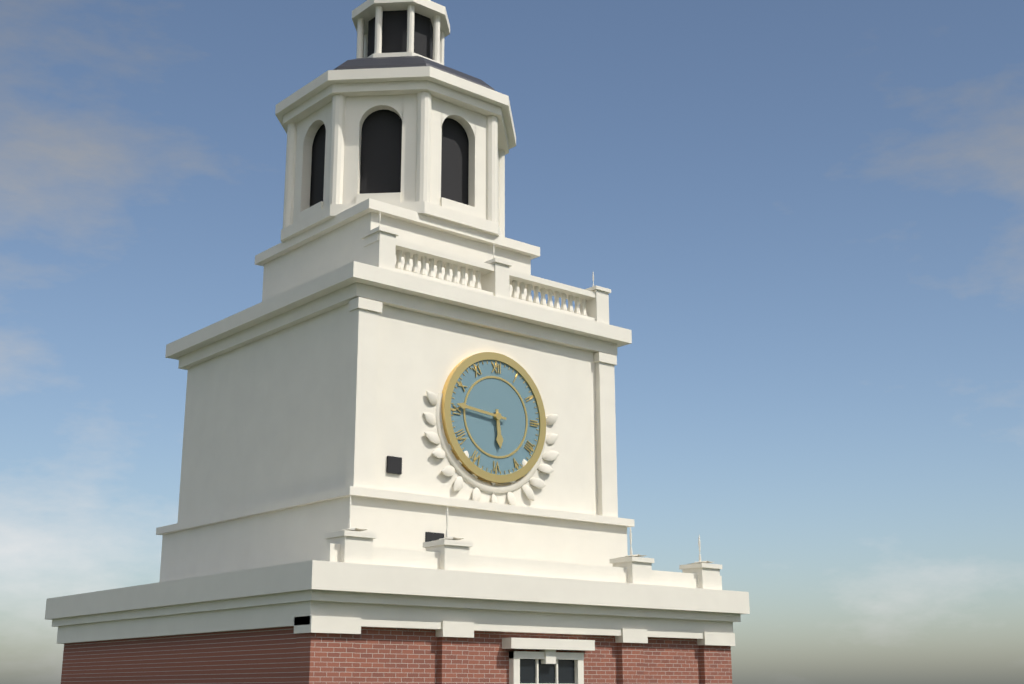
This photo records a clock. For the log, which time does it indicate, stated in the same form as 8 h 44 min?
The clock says 5 h 46 min
